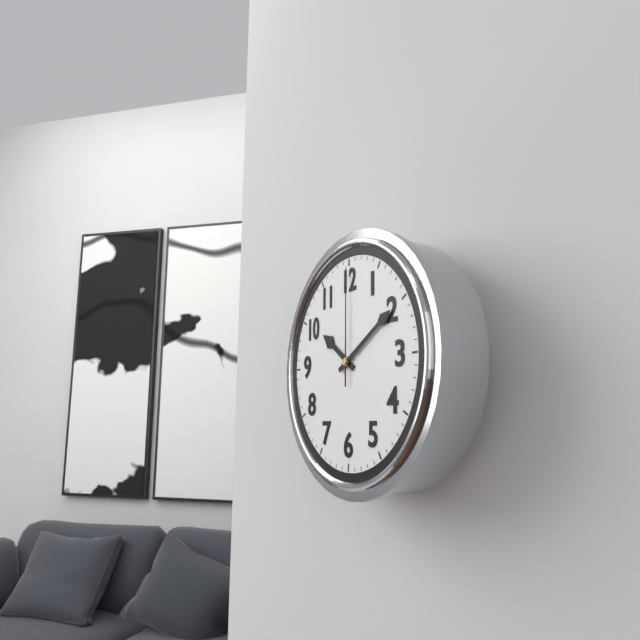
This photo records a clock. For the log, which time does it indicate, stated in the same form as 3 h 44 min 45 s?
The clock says 10 h 10 min 00 s
